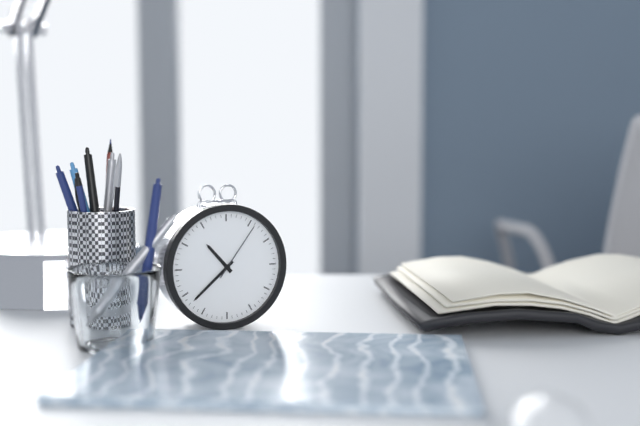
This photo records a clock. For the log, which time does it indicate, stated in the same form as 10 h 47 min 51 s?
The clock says 10 h 38 min 06 s
